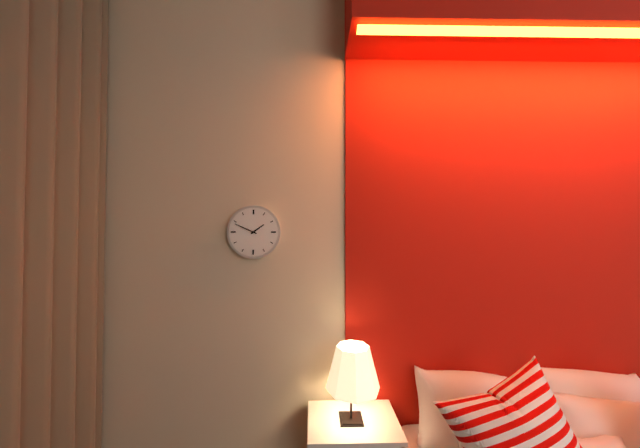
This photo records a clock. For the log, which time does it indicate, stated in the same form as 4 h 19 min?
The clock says 1 h 49 min
